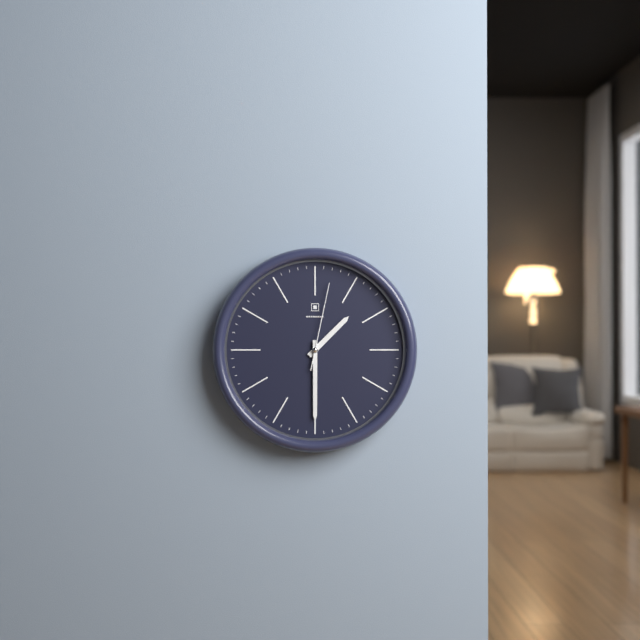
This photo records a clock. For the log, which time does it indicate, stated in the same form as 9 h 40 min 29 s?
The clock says 1 h 30 min 02 s
